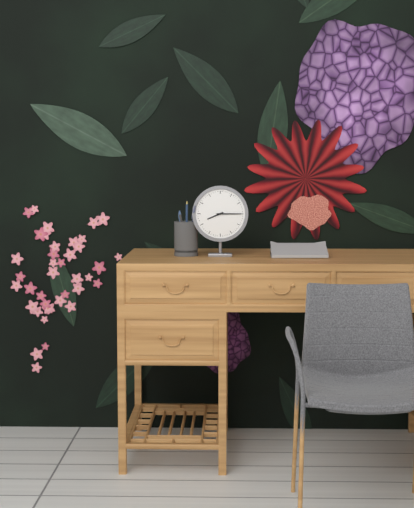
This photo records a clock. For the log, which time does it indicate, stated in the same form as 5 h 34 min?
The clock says 8 h 15 min
